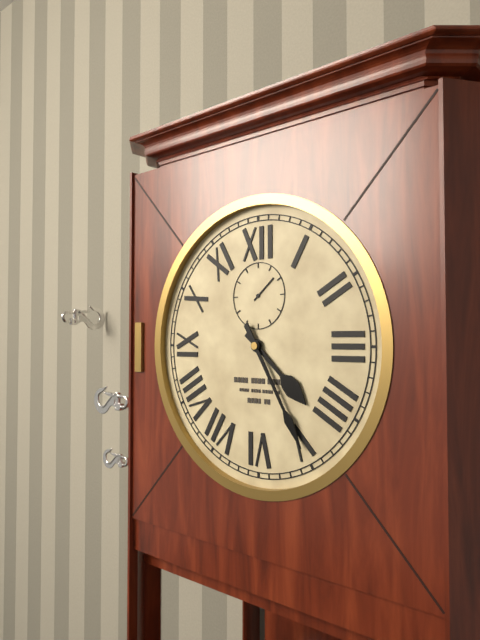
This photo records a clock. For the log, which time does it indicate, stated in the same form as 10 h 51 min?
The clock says 4 h 25 min
